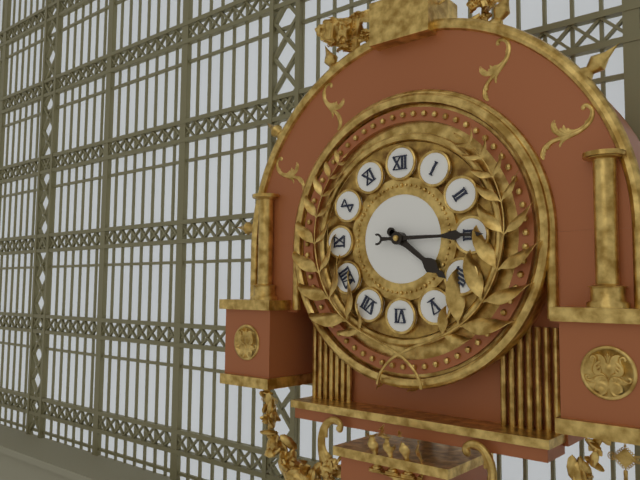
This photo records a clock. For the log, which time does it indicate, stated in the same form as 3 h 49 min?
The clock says 4 h 15 min
